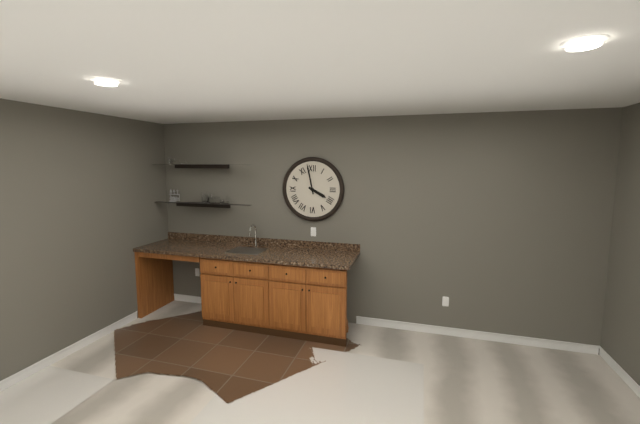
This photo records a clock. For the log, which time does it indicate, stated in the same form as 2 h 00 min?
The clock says 3 h 58 min
